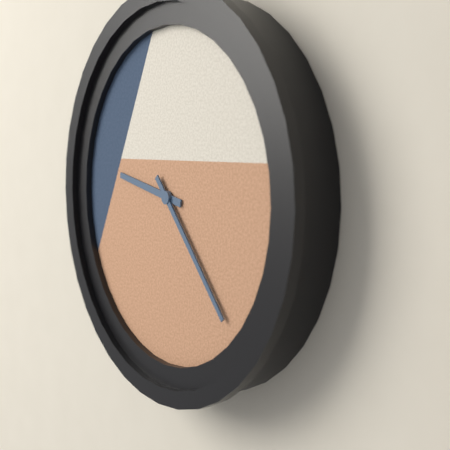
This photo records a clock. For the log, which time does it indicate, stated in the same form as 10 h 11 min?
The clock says 9 h 23 min
